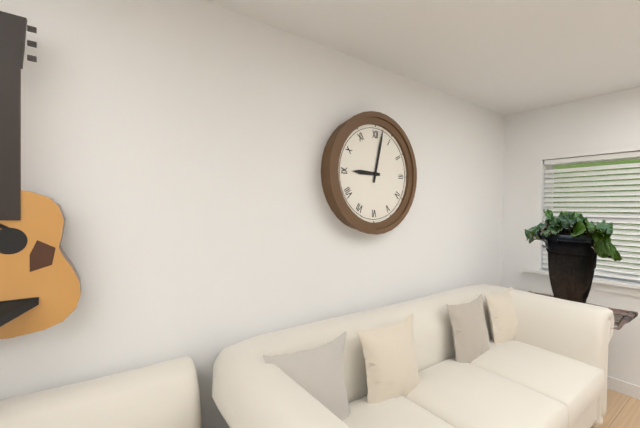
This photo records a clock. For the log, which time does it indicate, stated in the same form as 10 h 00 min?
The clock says 9 h 02 min
